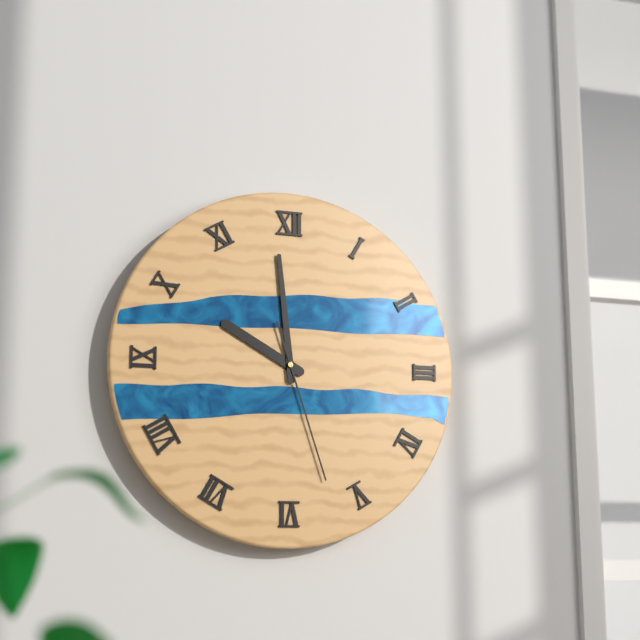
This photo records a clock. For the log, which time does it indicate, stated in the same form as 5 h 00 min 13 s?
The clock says 9 h 59 min 27 s
